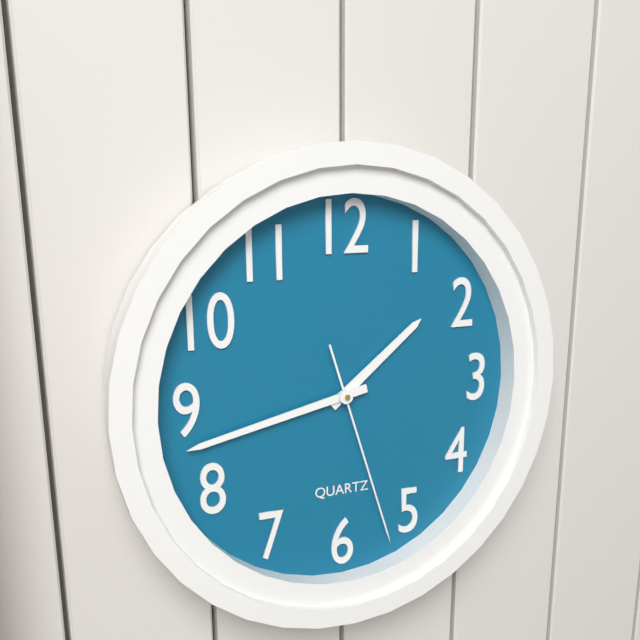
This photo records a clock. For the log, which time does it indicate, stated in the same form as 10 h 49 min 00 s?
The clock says 1 h 43 min 27 s
